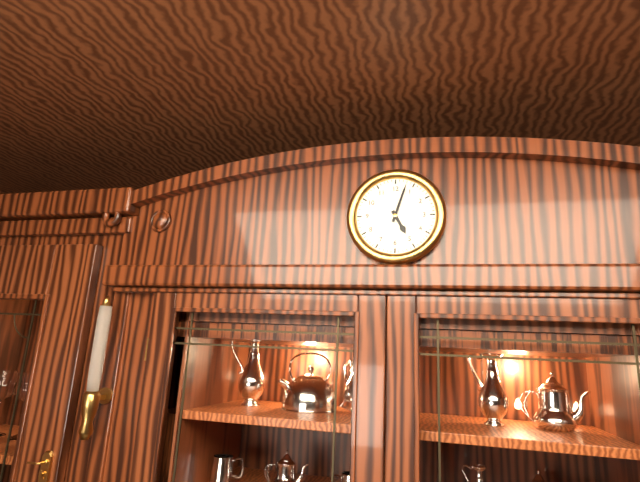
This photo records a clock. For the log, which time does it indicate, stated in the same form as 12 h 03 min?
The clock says 5 h 03 min
